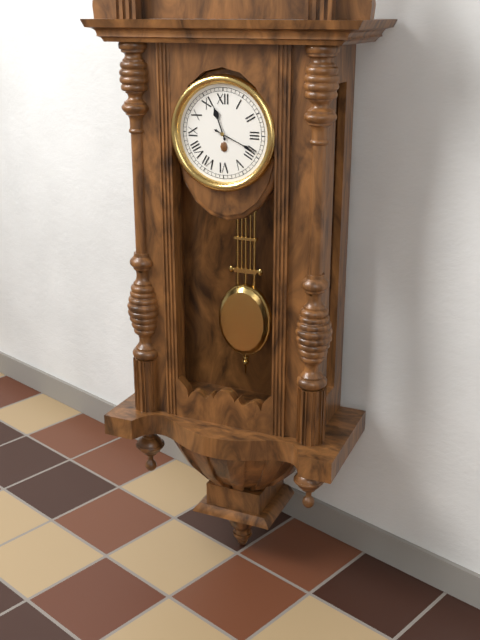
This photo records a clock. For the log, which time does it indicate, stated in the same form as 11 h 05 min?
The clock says 11 h 19 min
